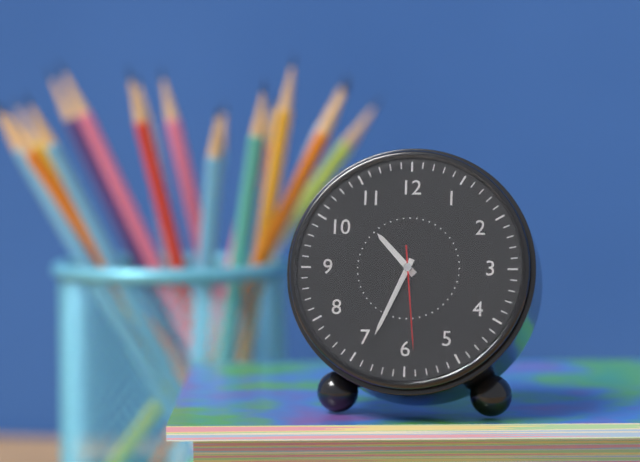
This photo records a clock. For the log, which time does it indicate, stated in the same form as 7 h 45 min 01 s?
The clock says 10 h 34 min 29 s
